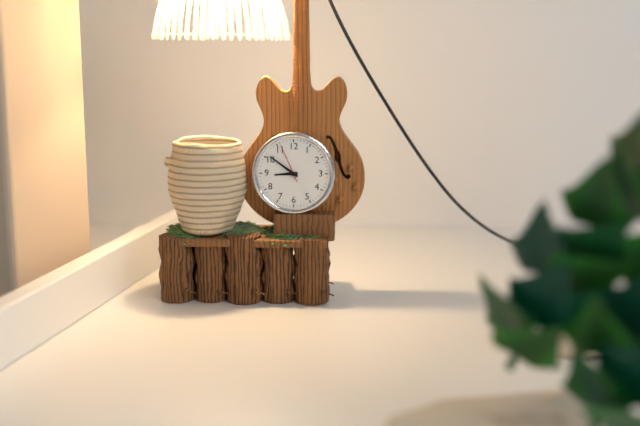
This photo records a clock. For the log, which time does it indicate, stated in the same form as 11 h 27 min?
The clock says 8 h 51 min
